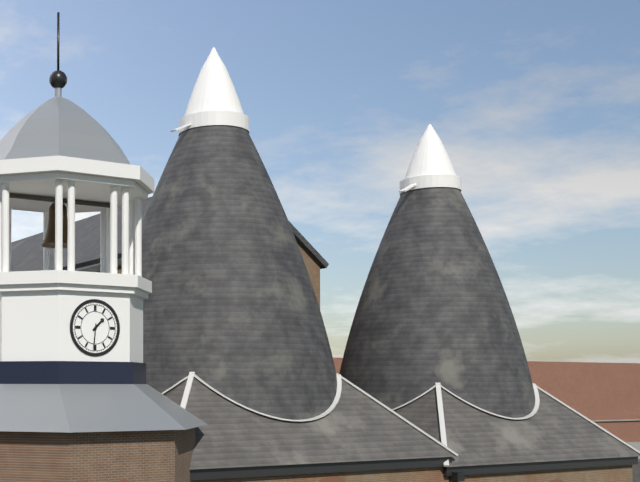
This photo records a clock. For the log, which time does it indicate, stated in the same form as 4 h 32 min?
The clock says 1 h 31 min
